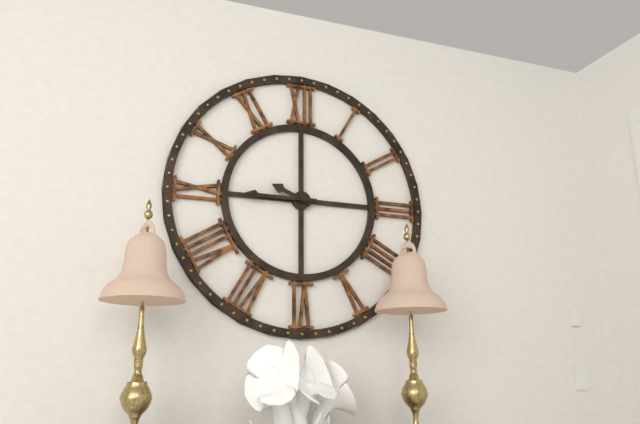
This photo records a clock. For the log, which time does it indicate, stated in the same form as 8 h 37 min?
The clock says 9 h 45 min
